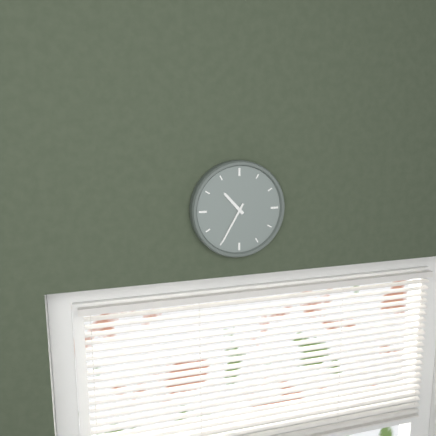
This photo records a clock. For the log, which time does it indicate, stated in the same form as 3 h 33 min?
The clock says 10 h 35 min
